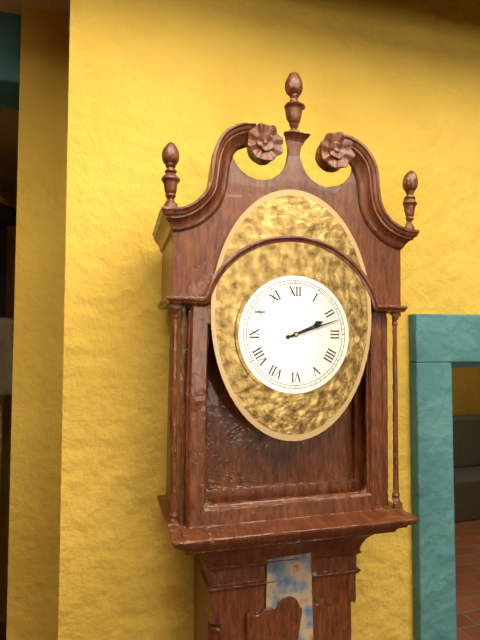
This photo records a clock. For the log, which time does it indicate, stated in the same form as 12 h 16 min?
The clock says 2 h 12 min
